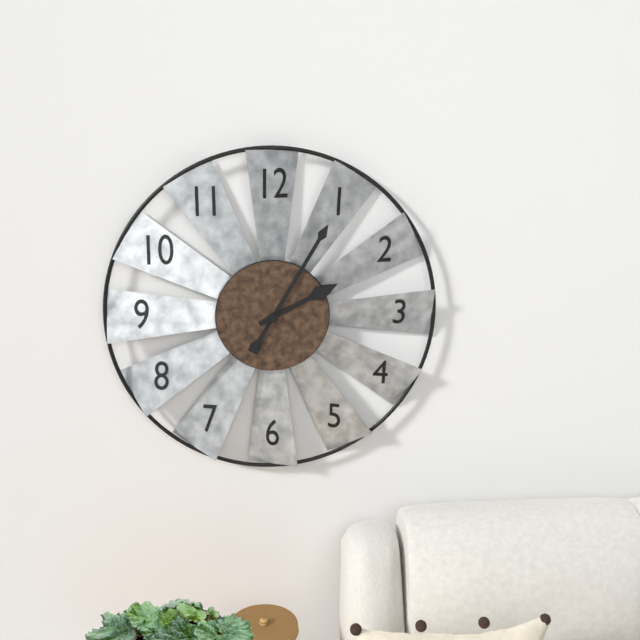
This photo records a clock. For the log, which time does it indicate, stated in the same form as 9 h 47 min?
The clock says 2 h 05 min
